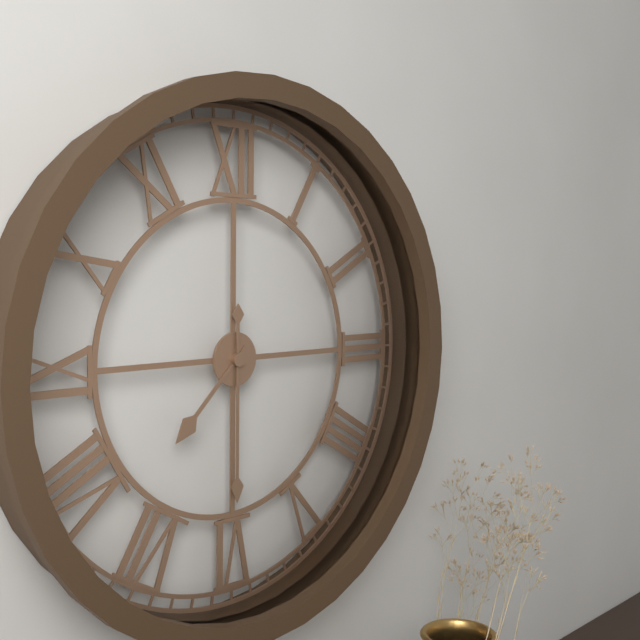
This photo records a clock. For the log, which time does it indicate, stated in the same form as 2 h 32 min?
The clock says 7 h 30 min
